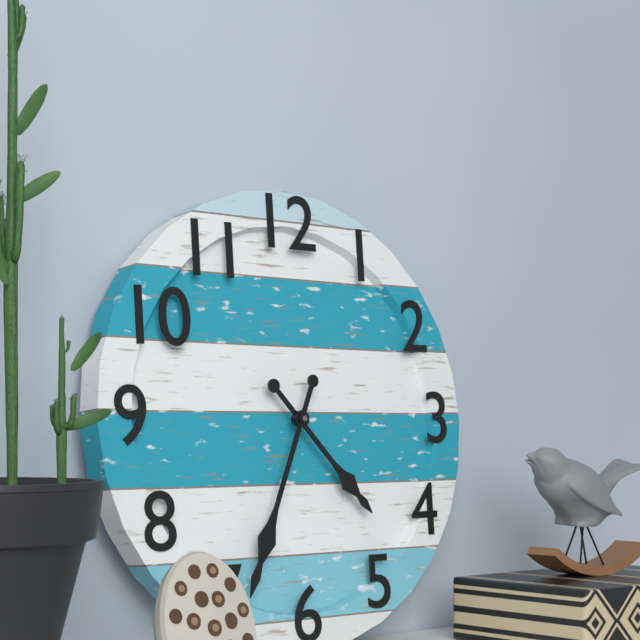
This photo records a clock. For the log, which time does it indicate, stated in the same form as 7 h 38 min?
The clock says 4 h 34 min
